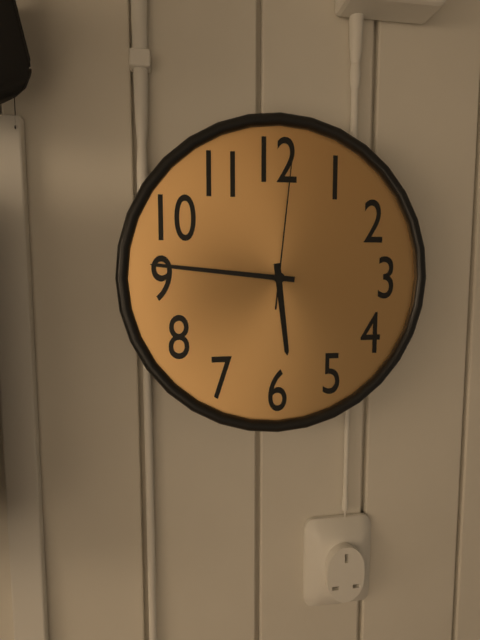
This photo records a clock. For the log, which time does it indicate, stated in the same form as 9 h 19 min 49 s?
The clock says 5 h 46 min 01 s
